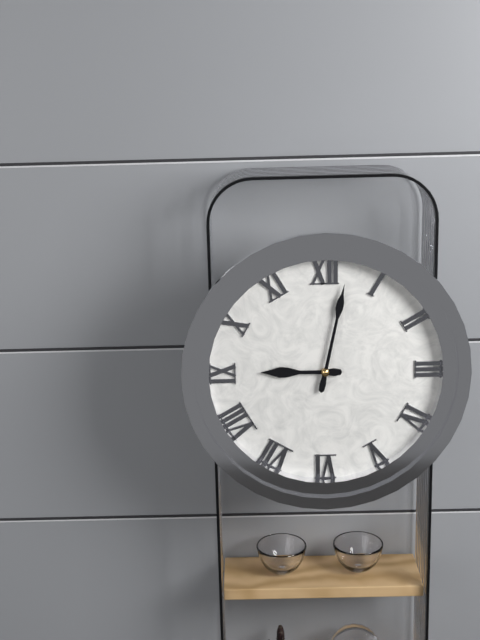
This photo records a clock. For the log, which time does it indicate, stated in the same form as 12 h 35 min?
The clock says 9 h 02 min
